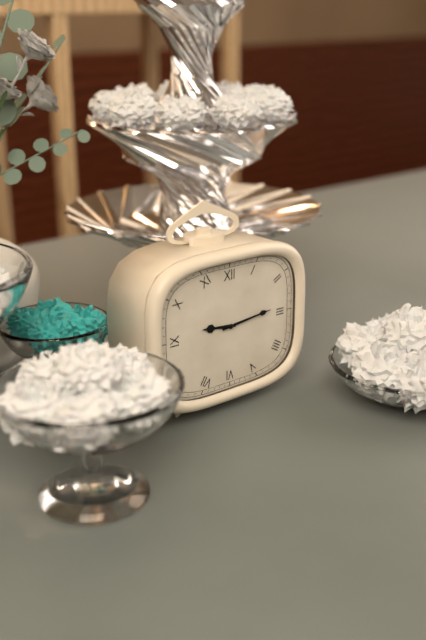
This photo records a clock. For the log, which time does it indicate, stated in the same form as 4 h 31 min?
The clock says 9 h 14 min
